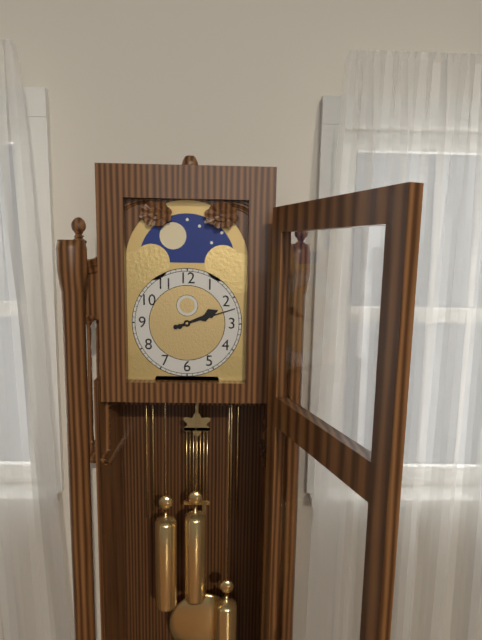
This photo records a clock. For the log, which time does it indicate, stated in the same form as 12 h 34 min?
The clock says 2 h 12 min
